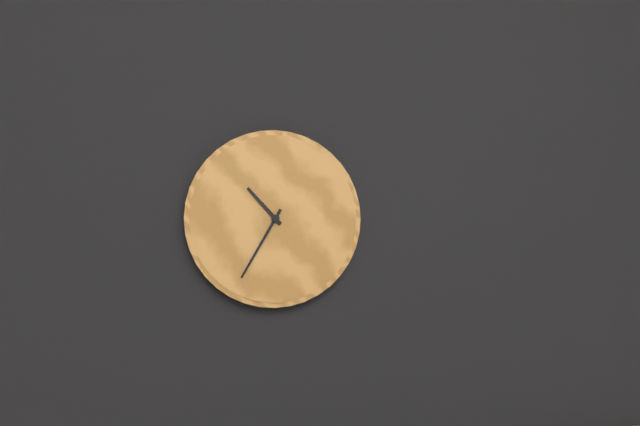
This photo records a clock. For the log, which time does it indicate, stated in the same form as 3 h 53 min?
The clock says 10 h 35 min
